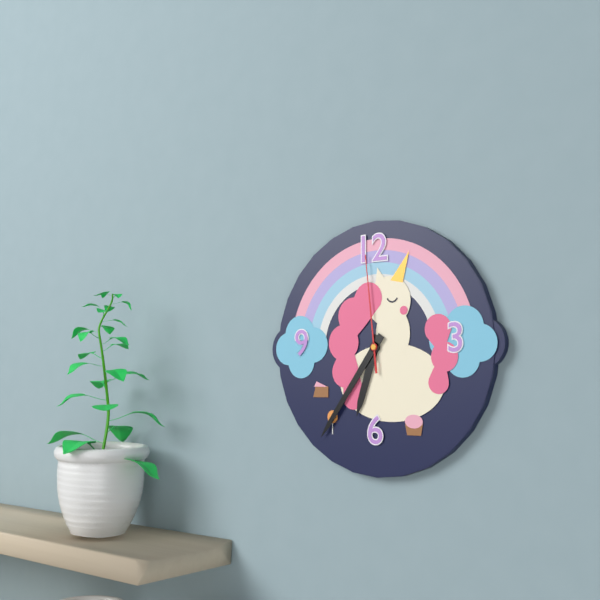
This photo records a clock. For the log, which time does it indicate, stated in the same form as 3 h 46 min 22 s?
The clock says 6 h 36 min 59 s
